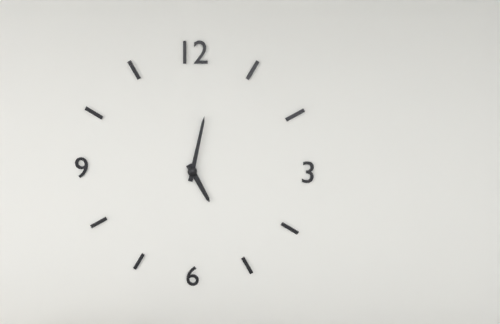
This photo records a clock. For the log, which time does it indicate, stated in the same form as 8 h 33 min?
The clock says 5 h 02 min
